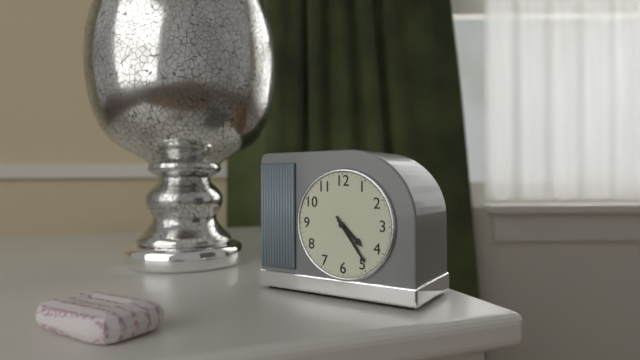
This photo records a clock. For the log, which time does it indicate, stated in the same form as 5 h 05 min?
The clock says 4 h 24 min
